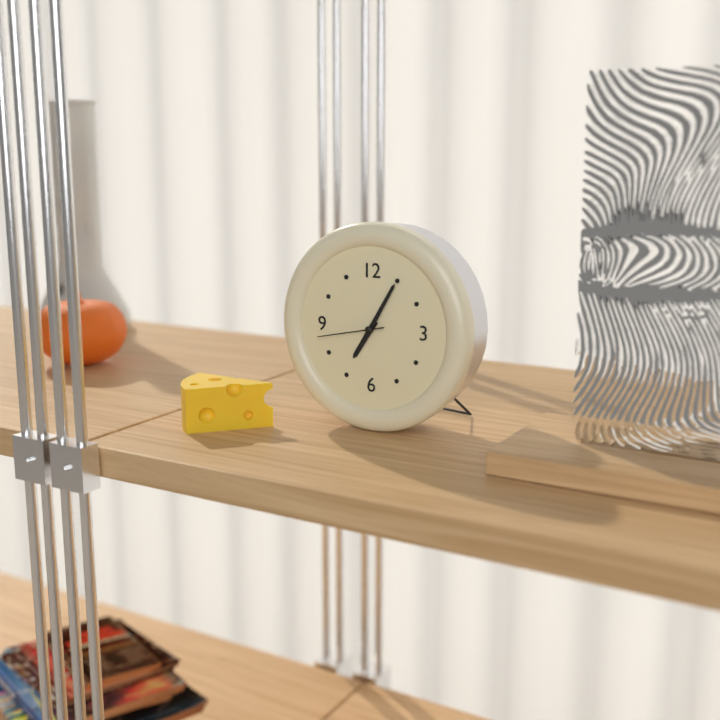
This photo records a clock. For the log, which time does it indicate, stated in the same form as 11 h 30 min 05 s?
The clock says 7 h 05 min 43 s
